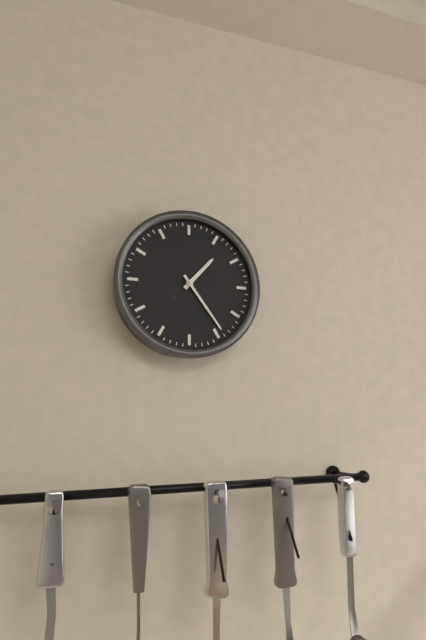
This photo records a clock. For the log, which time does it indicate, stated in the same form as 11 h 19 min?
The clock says 1 h 24 min
